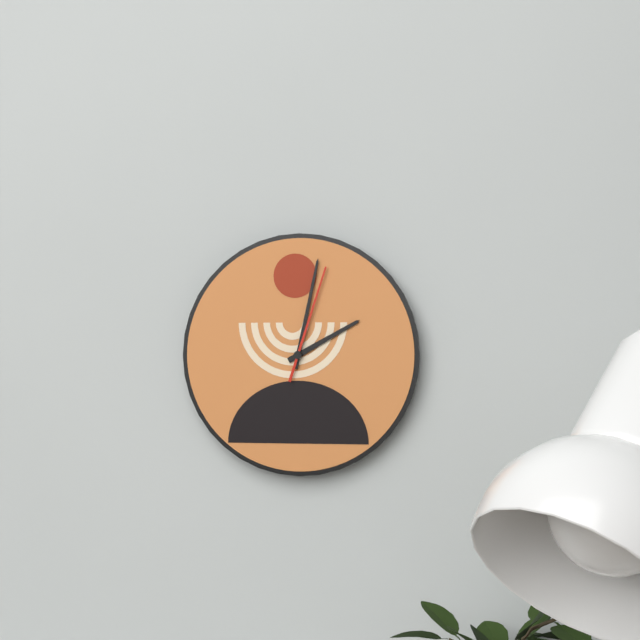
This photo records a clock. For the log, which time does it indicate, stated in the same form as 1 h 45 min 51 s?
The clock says 2 h 02 min 03 s
